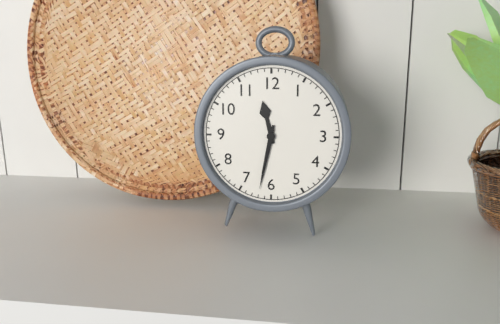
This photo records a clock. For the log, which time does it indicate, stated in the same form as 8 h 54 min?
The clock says 11 h 32 min
